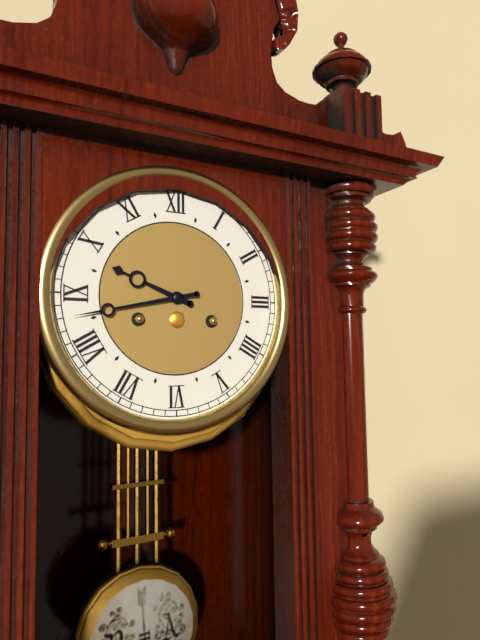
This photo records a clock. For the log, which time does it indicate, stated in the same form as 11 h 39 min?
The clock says 9 h 43 min
